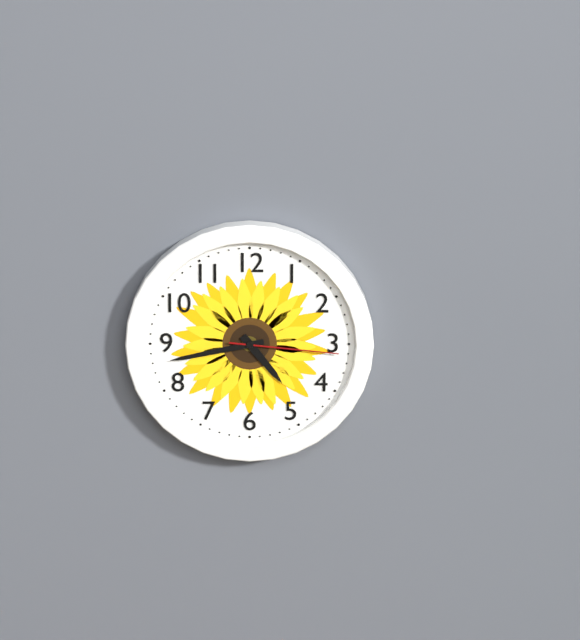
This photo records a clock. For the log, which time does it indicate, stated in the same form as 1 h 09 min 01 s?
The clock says 4 h 43 min 16 s
